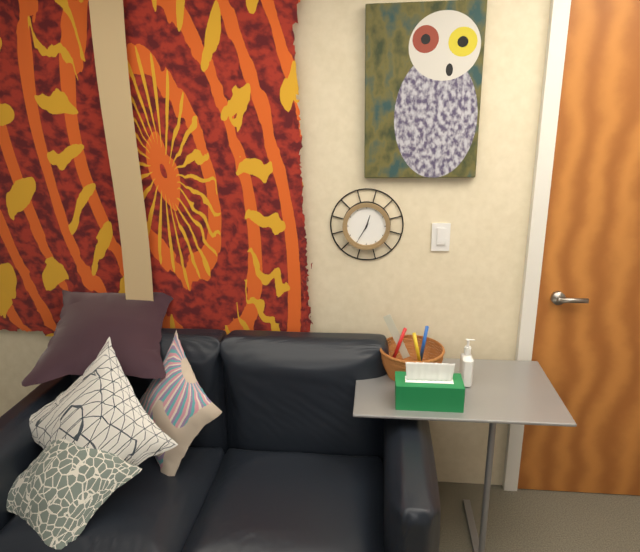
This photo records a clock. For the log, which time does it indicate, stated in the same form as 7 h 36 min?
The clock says 12 h 35 min
